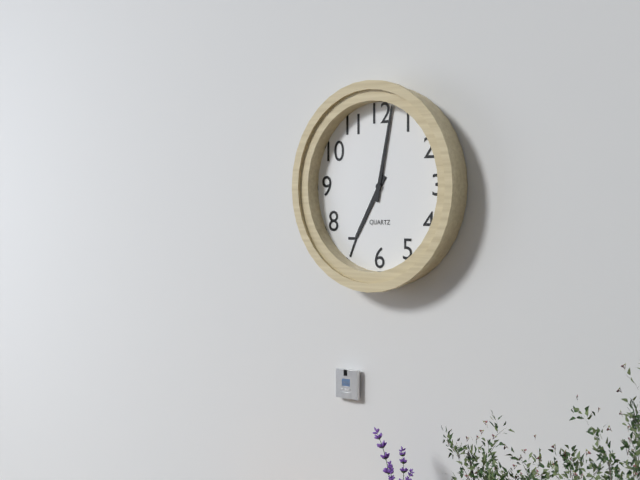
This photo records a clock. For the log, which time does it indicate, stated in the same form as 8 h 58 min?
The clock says 7 h 02 min
